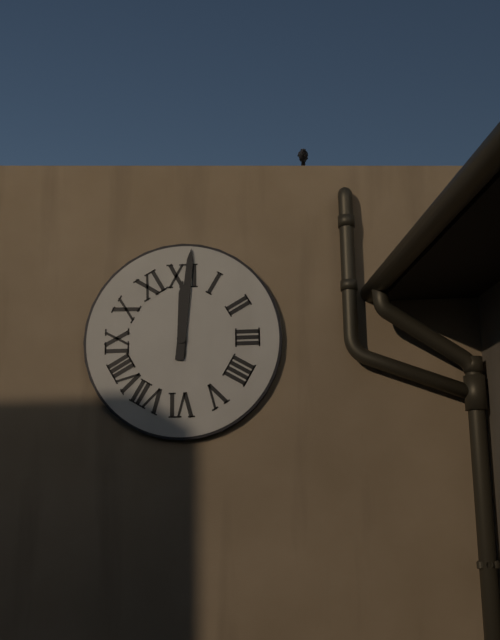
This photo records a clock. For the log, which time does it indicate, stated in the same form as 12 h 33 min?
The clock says 12 h 01 min
